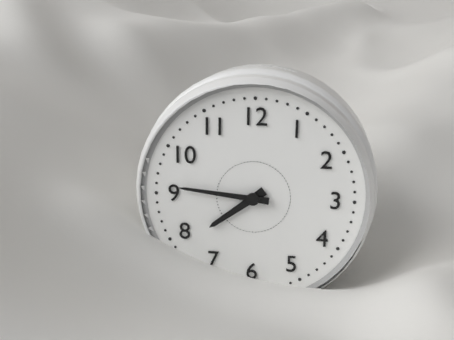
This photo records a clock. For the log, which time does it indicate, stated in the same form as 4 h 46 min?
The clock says 7 h 46 min
